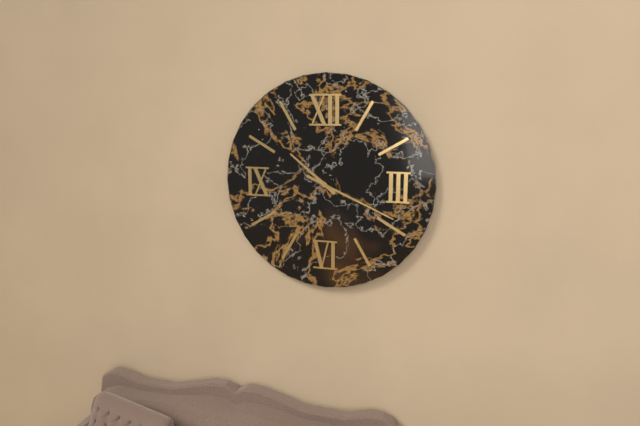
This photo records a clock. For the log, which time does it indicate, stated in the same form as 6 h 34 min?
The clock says 10 h 19 min
